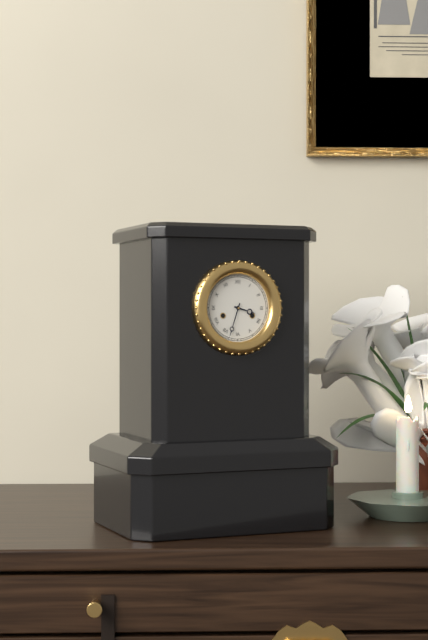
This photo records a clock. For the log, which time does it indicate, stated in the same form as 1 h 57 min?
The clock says 3 h 33 min
